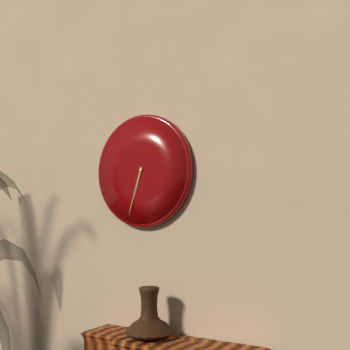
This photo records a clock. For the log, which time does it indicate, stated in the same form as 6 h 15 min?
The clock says 6 h 33 min
